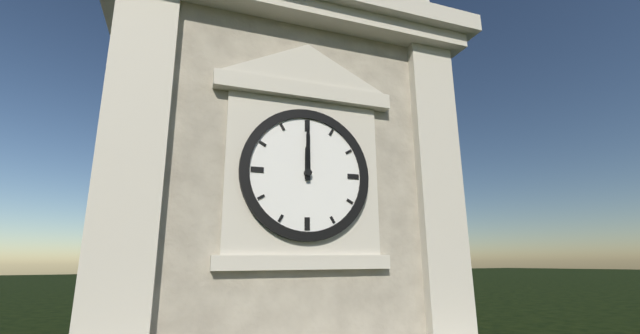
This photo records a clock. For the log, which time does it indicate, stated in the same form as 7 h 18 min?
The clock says 12 h 00 min
